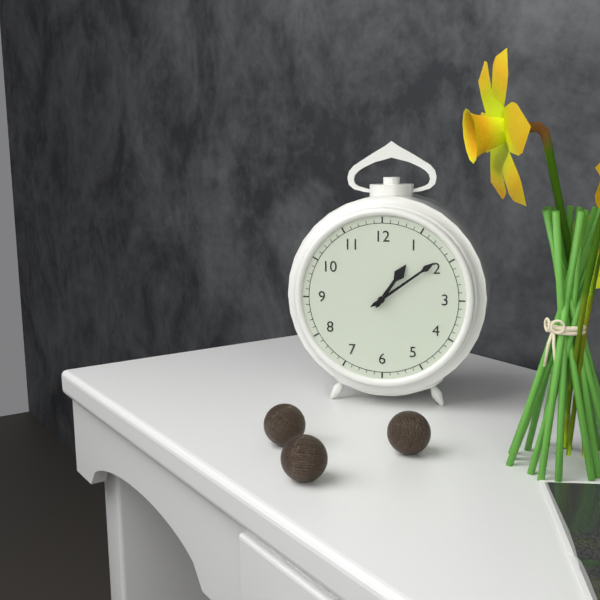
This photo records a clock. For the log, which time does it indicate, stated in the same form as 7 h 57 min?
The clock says 1 h 09 min
